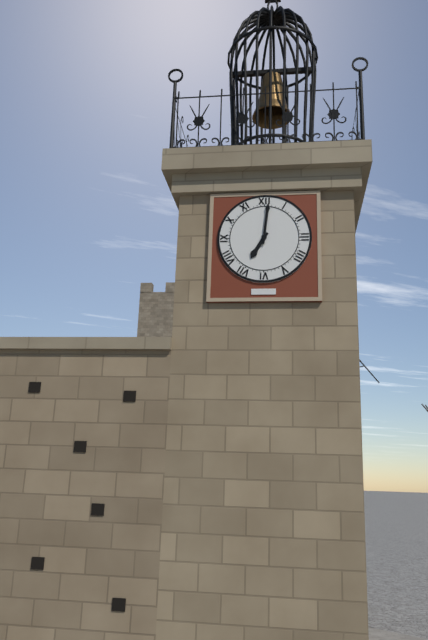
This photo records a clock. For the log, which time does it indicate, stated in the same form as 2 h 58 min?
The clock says 7 h 01 min
